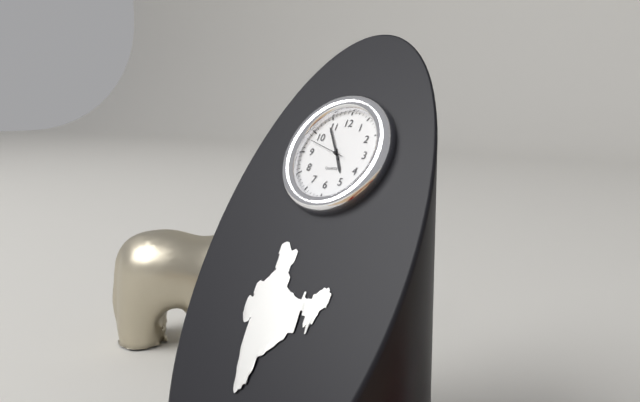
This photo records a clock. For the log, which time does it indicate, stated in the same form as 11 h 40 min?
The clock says 4 h 54 min
